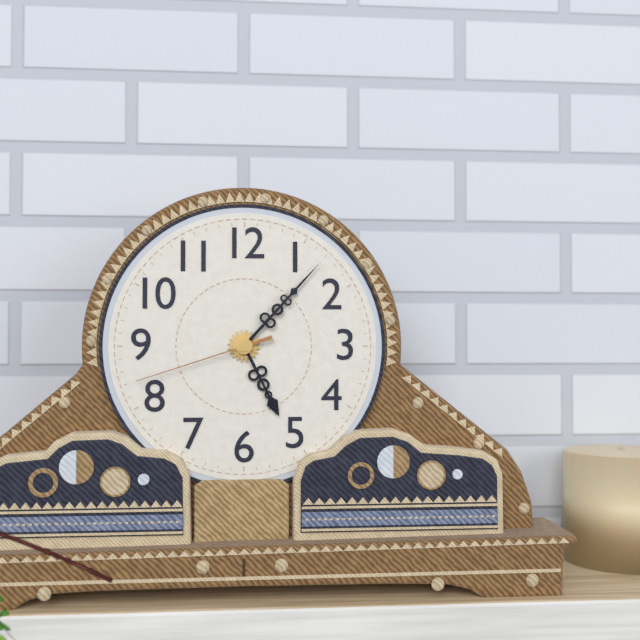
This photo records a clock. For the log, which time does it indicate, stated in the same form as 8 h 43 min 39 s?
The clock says 5 h 07 min 42 s
